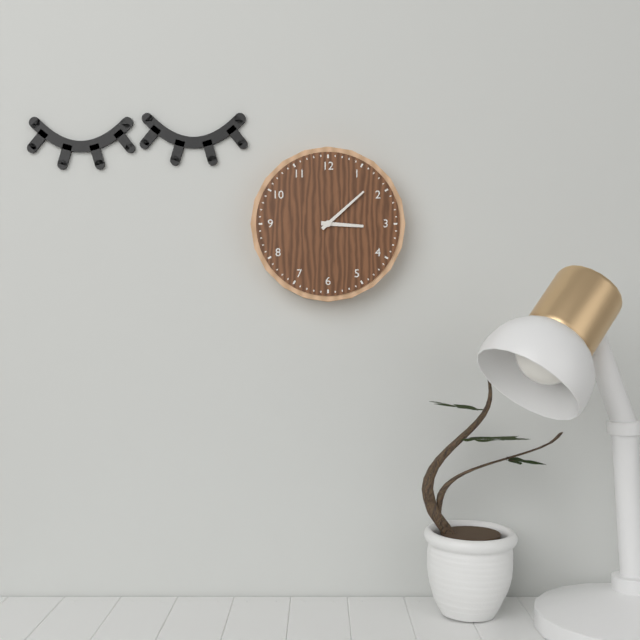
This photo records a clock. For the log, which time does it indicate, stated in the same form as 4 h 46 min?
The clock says 3 h 08 min
